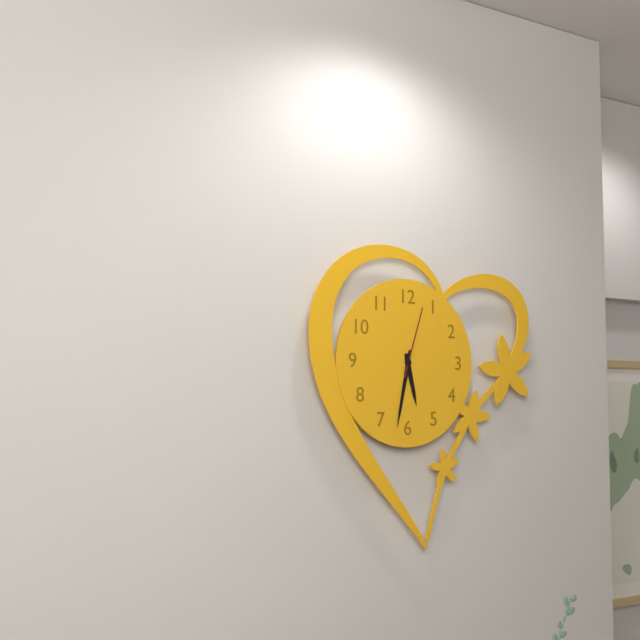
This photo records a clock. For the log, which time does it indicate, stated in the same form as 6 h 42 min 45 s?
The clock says 5 h 32 min 03 s
